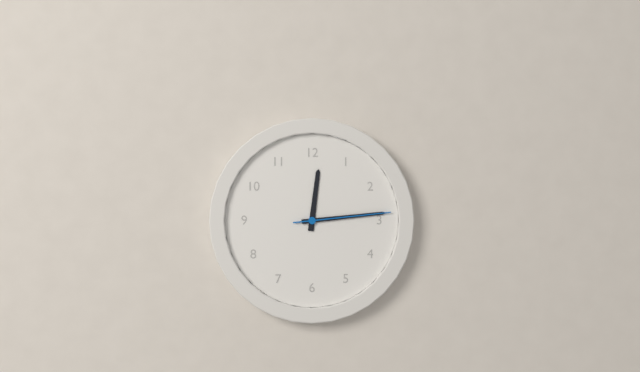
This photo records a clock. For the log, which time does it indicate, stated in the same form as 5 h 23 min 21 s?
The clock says 12 h 14 min 14 s
